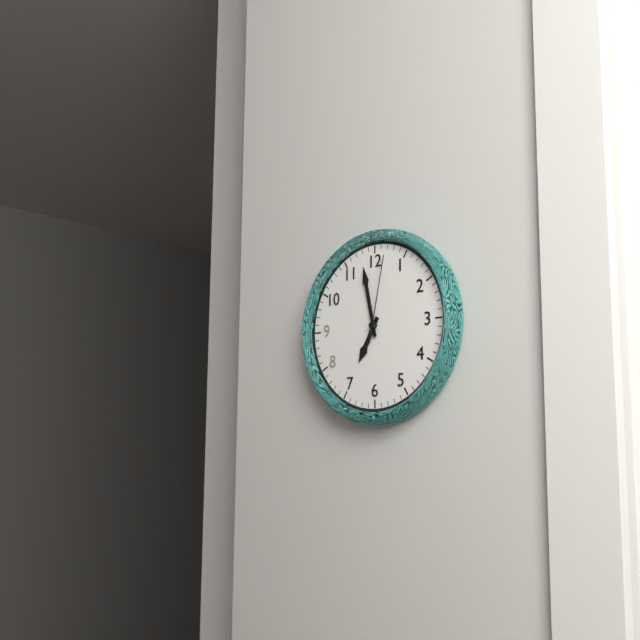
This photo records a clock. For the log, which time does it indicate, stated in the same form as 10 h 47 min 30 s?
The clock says 6 h 58 min 02 s
